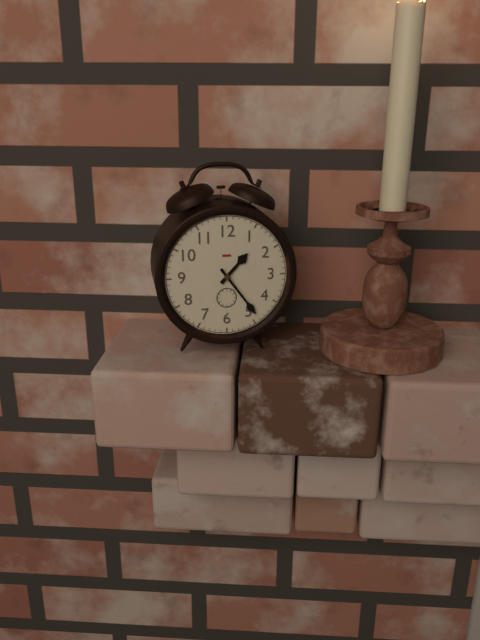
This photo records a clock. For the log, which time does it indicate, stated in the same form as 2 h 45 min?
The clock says 1 h 24 min
